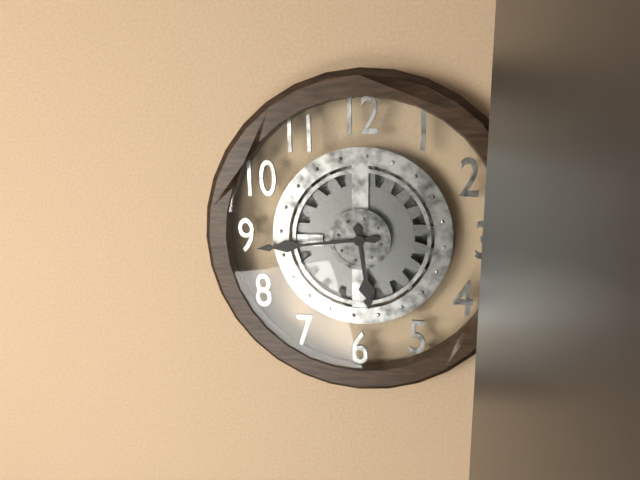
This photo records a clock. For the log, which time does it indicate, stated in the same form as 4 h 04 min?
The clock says 5 h 44 min
